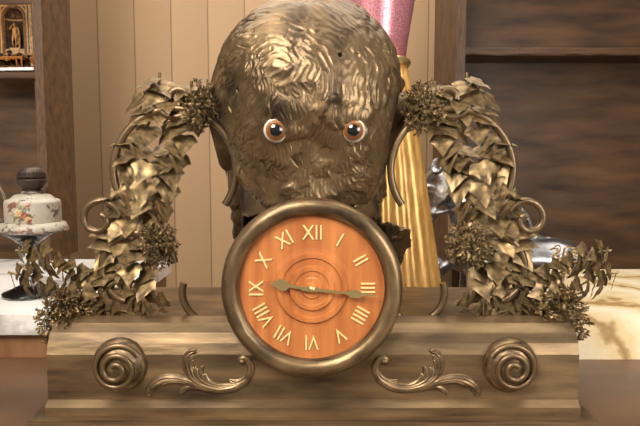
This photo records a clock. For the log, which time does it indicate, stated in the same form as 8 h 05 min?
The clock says 9 h 16 min
